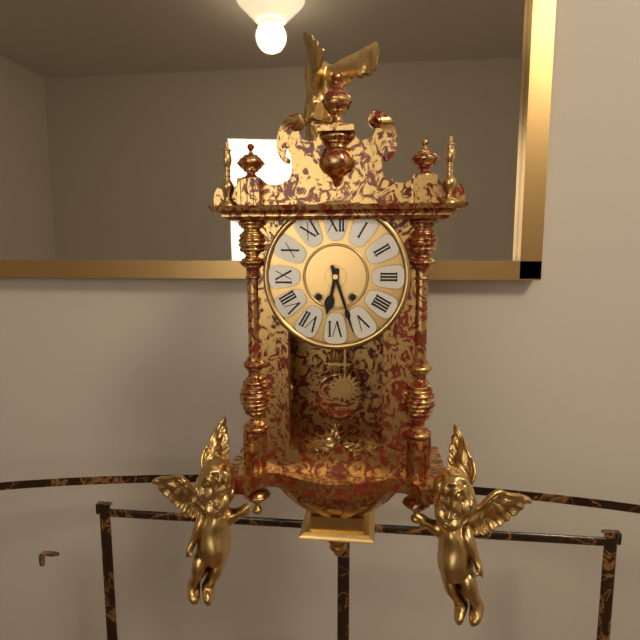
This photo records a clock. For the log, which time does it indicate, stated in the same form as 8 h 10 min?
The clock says 6 h 27 min
